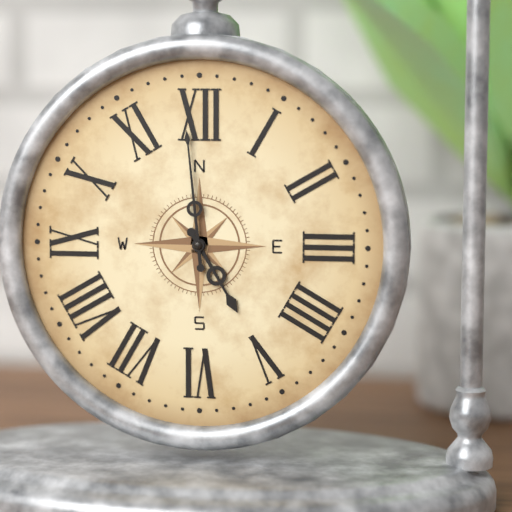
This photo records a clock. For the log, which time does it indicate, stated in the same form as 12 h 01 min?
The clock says 4 h 59 min
